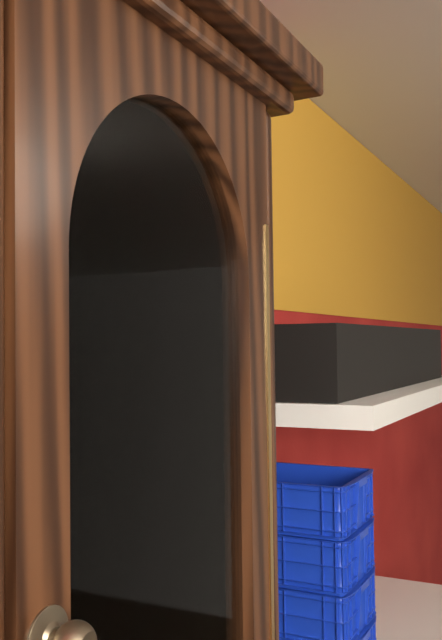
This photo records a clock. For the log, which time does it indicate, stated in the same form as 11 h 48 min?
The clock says 1 h 03 min
